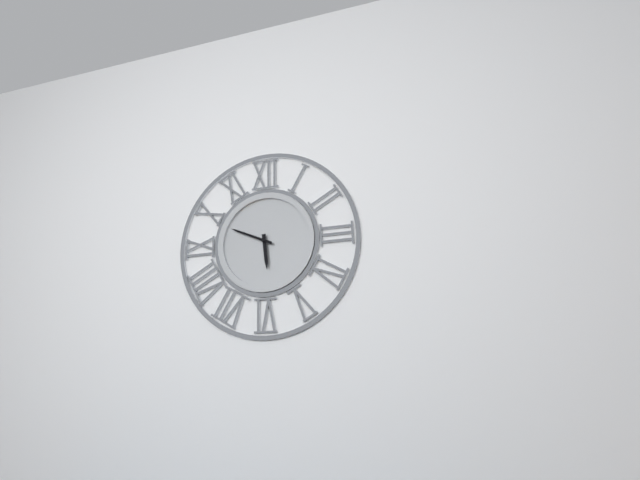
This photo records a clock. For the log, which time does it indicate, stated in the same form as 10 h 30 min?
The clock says 5 h 49 min
